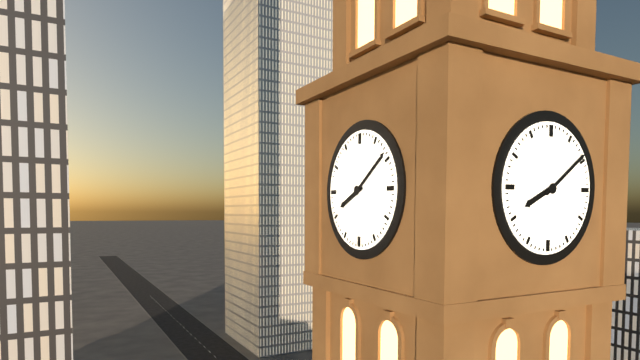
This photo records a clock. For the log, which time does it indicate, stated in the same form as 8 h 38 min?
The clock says 8 h 09 min
